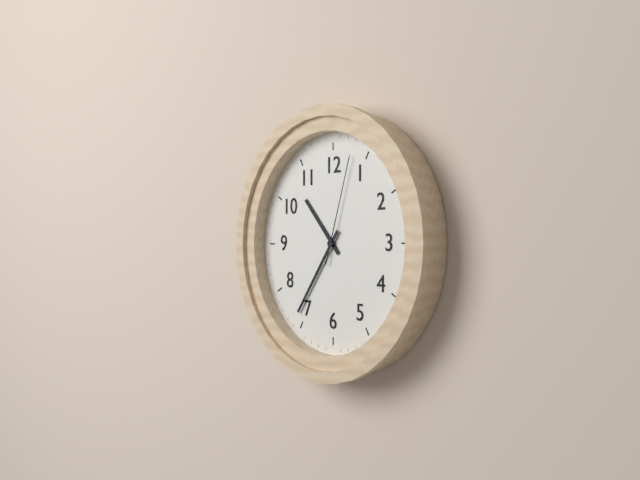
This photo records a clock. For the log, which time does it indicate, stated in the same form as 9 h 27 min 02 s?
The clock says 10 h 36 min 03 s
